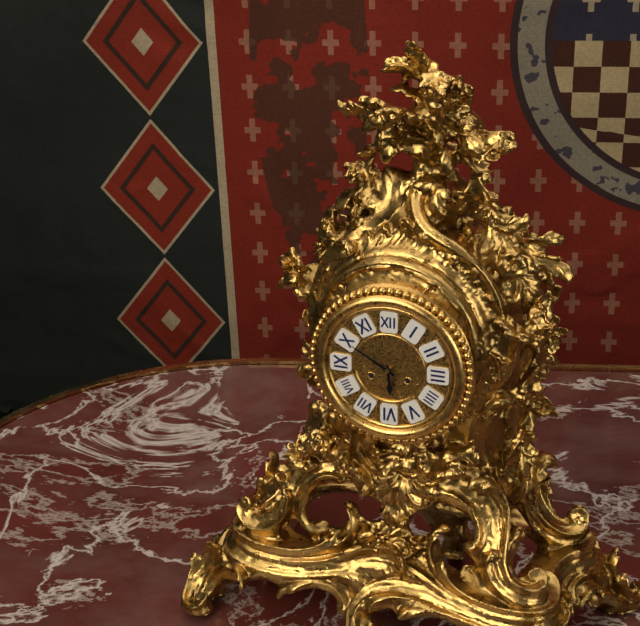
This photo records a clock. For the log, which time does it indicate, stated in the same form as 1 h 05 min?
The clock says 5 h 50 min
